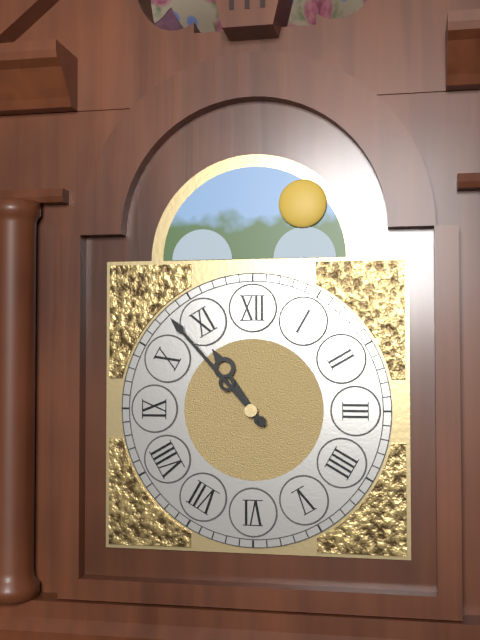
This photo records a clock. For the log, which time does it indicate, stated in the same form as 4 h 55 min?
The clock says 10 h 53 min
